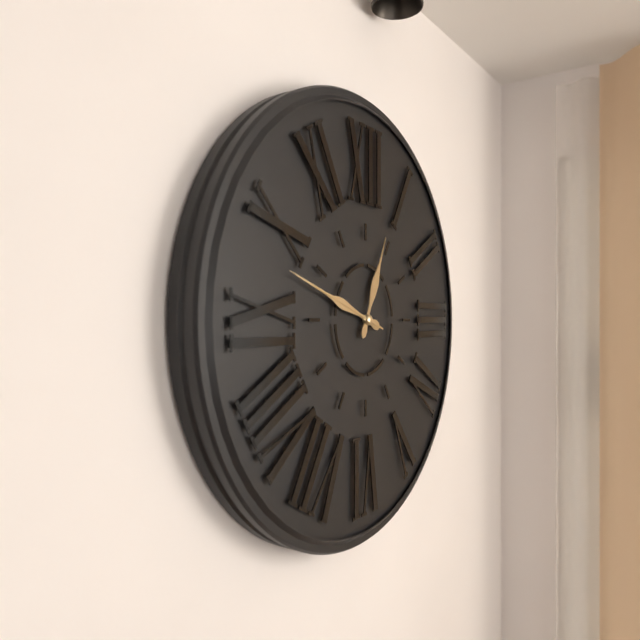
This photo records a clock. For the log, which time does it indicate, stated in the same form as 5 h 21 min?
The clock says 12 h 48 min
